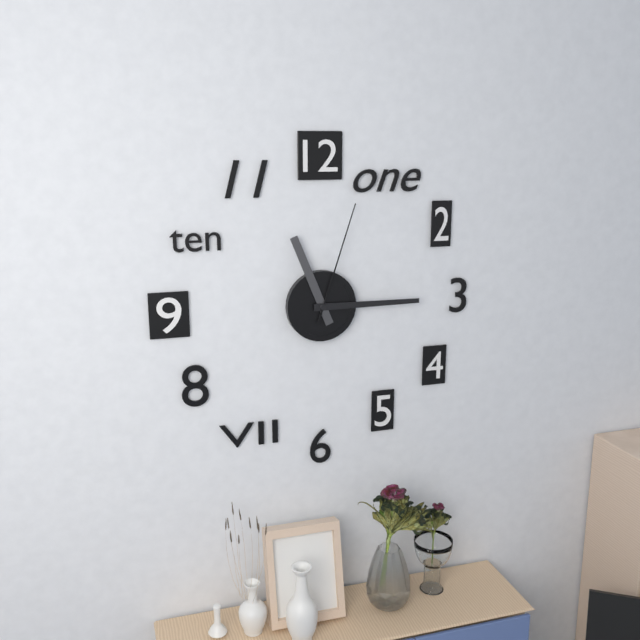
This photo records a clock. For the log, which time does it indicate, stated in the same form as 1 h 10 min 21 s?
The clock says 11 h 15 min 03 s
